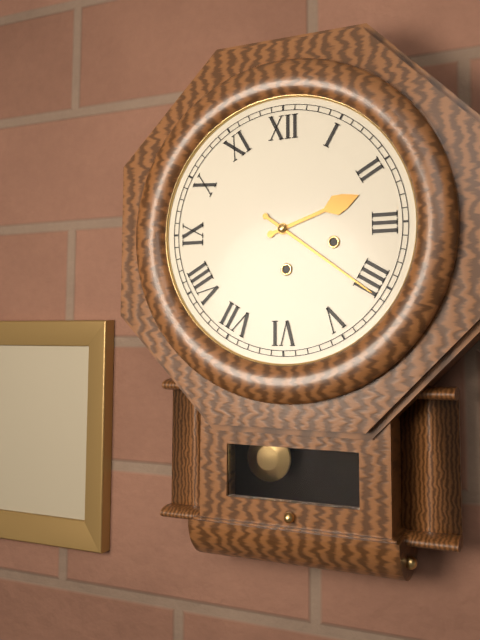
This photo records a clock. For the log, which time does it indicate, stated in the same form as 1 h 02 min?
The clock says 2 h 21 min
